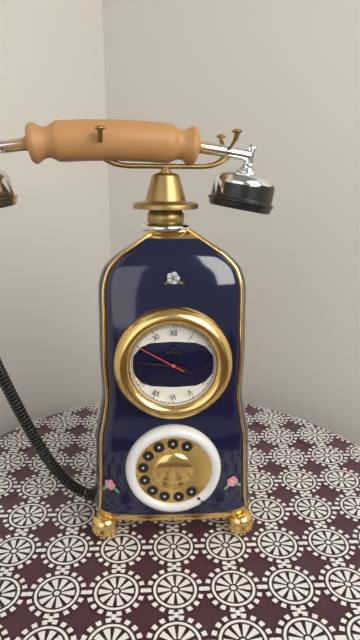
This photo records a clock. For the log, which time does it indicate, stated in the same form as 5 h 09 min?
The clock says 3 h 46 min
